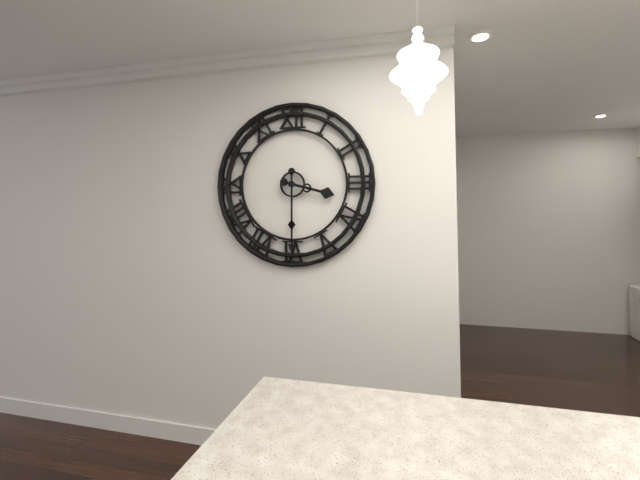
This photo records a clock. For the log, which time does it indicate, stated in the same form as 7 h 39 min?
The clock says 3 h 30 min
